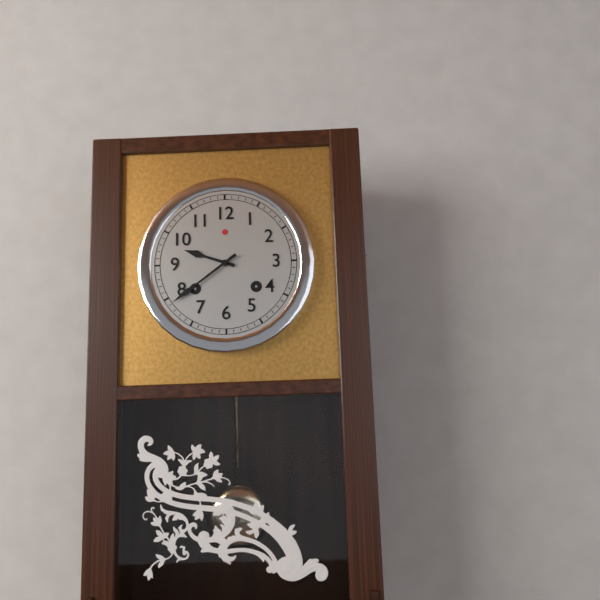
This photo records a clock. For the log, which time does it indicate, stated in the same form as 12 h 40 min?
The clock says 9 h 39 min
